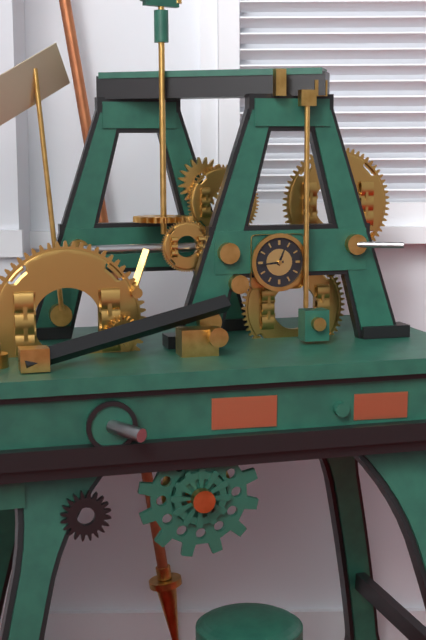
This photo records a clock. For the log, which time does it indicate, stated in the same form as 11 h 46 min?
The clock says 12 h 44 min
